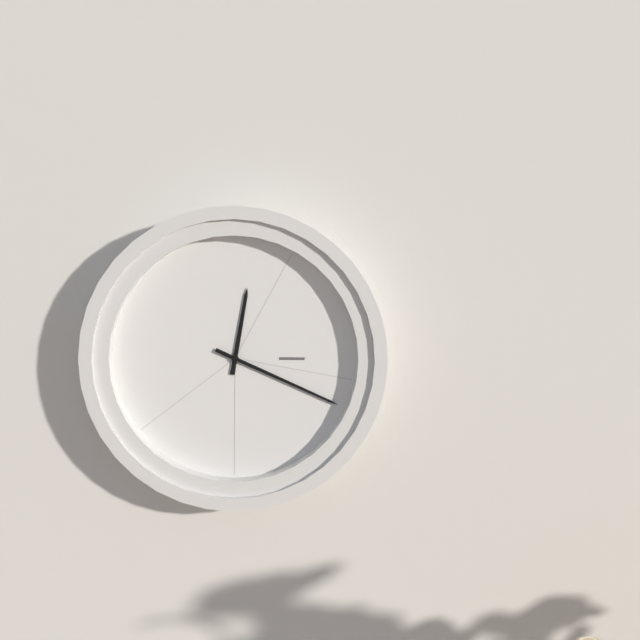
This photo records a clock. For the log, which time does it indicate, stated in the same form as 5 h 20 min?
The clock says 12 h 19 min
